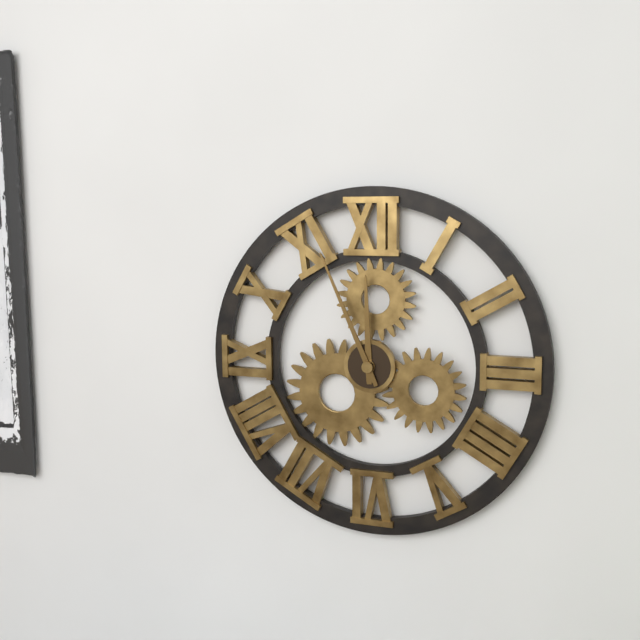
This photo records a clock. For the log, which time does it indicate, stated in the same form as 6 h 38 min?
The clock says 11 h 56 min
